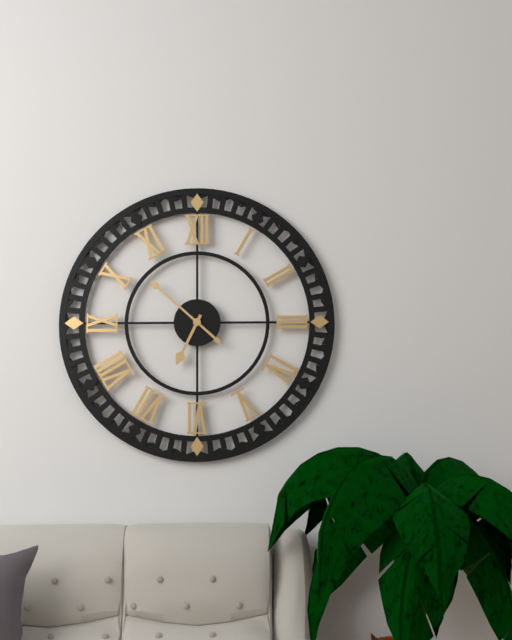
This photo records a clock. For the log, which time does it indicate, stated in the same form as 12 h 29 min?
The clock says 6 h 52 min
